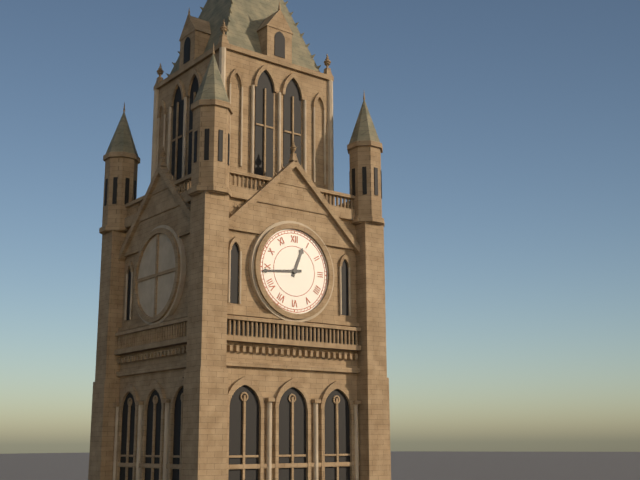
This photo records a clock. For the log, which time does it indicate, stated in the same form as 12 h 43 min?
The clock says 12 h 44 min
